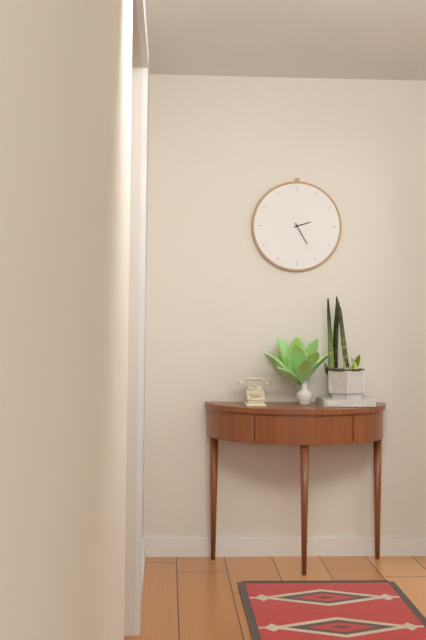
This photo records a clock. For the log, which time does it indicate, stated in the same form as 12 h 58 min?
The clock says 2 h 25 min
